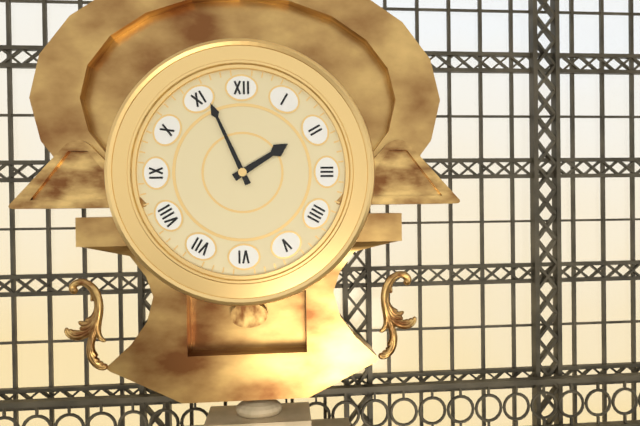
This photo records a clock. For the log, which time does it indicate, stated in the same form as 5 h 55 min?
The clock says 1 h 56 min
